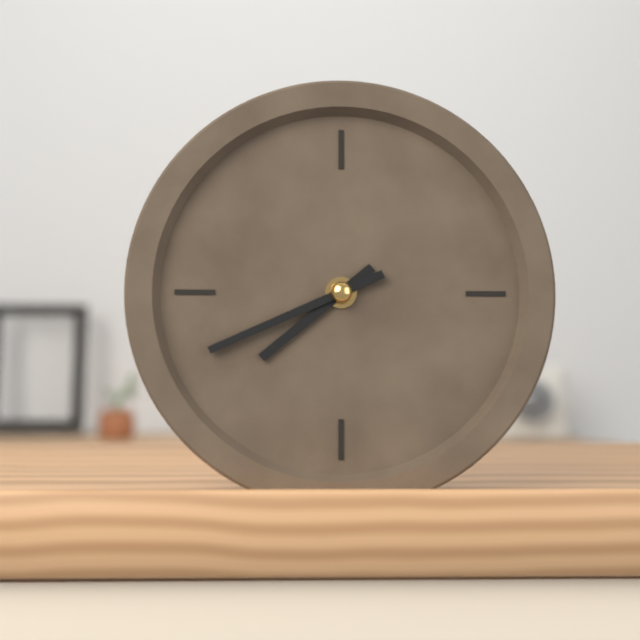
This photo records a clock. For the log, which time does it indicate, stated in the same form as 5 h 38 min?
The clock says 7 h 41 min
